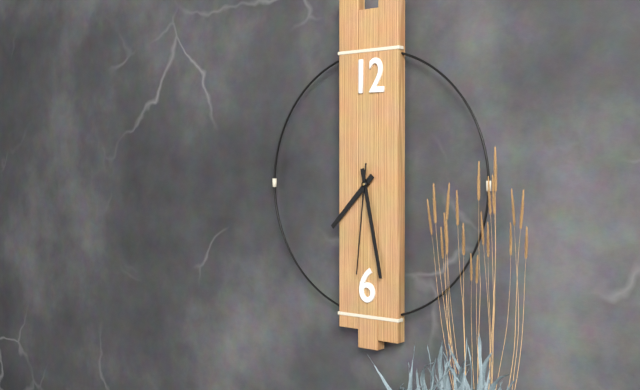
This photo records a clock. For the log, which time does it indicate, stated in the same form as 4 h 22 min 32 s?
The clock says 7 h 28 min 31 s
